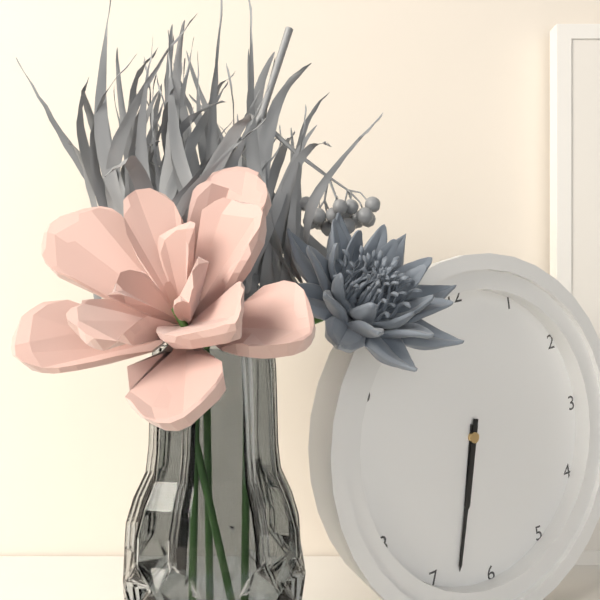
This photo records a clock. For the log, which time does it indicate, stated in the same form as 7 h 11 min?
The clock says 6 h 33 min
